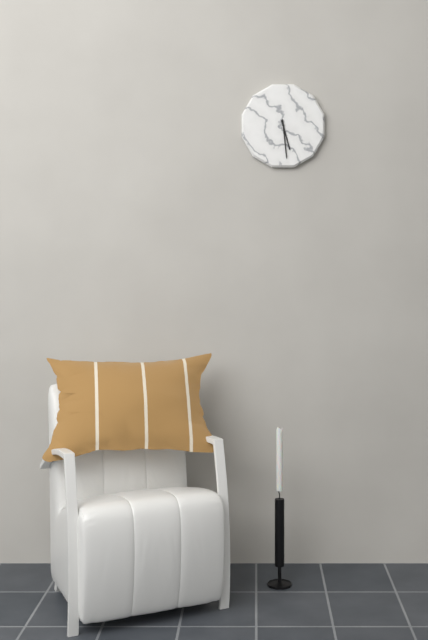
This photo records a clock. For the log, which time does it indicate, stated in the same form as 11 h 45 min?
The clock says 5 h 29 min
